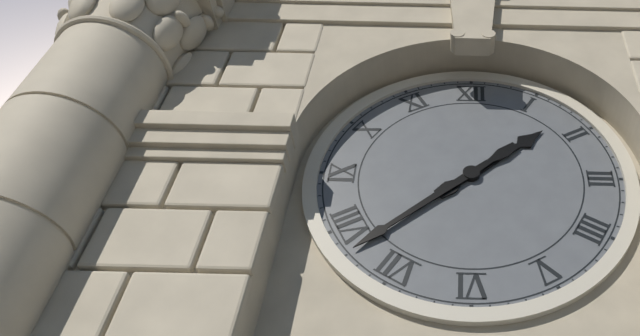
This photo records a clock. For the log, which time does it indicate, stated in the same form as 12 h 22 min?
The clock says 1 h 38 min
